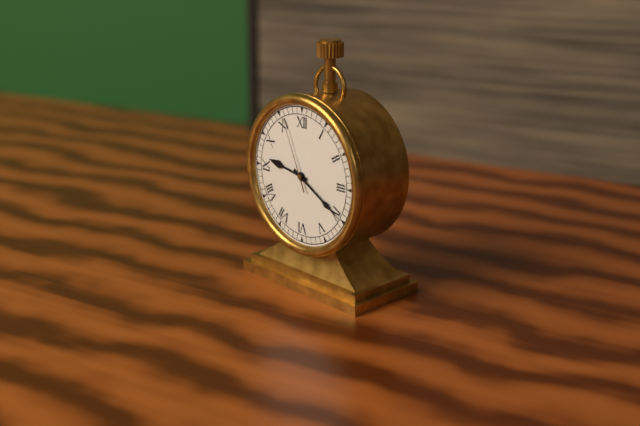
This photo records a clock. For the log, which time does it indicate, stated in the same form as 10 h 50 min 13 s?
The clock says 9 h 20 min 56 s
